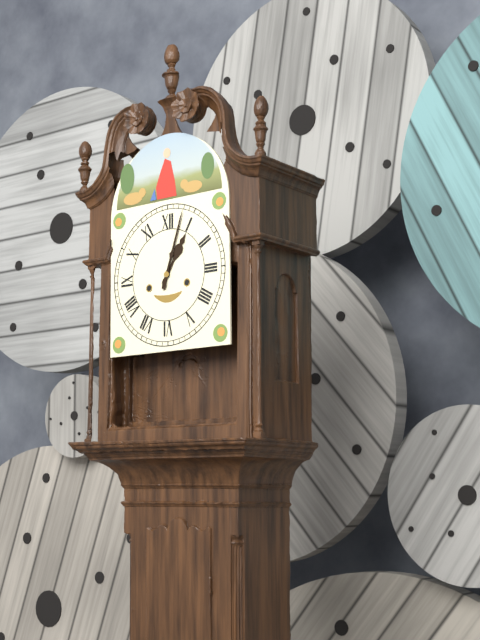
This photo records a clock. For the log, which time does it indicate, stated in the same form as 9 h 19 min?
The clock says 1 h 03 min
